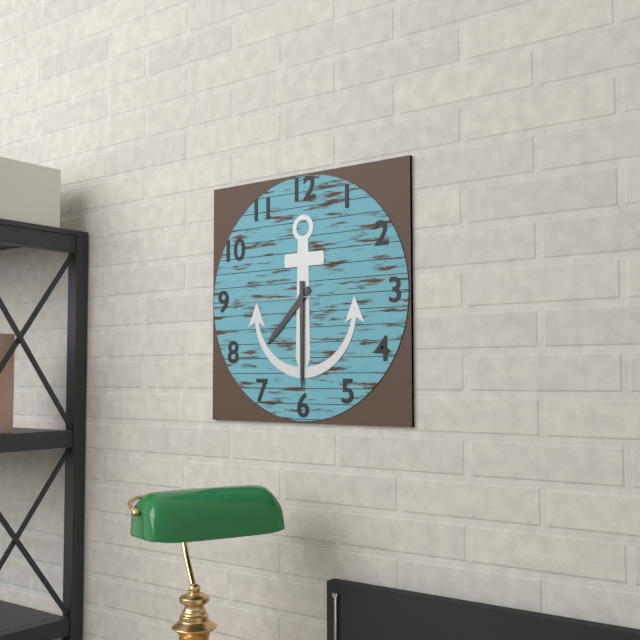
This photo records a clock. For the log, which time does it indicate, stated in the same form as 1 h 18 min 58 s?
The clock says 7 h 30 min 45 s
